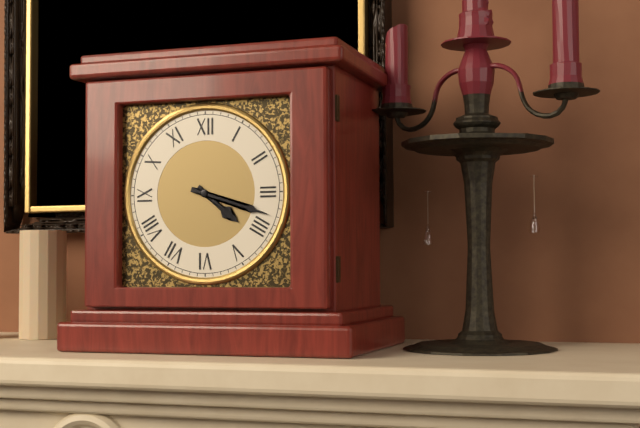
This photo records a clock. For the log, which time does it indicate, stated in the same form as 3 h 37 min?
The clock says 4 h 18 min
